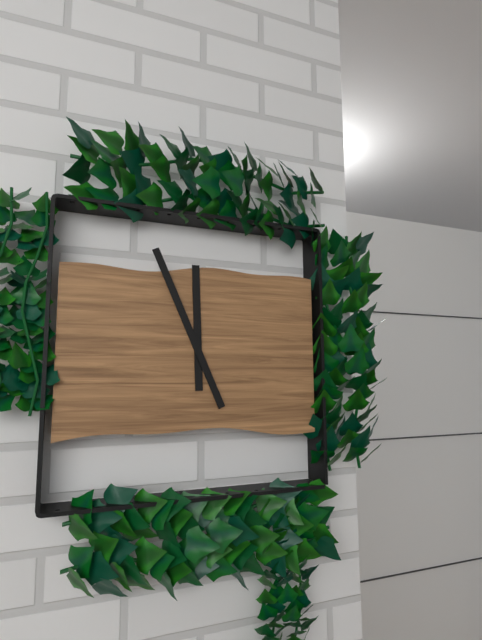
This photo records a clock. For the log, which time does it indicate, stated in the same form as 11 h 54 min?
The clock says 11 h 56 min
